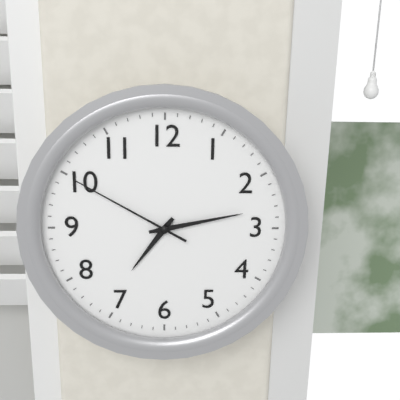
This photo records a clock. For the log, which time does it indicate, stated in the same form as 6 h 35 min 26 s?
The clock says 7 h 13 min 50 s
